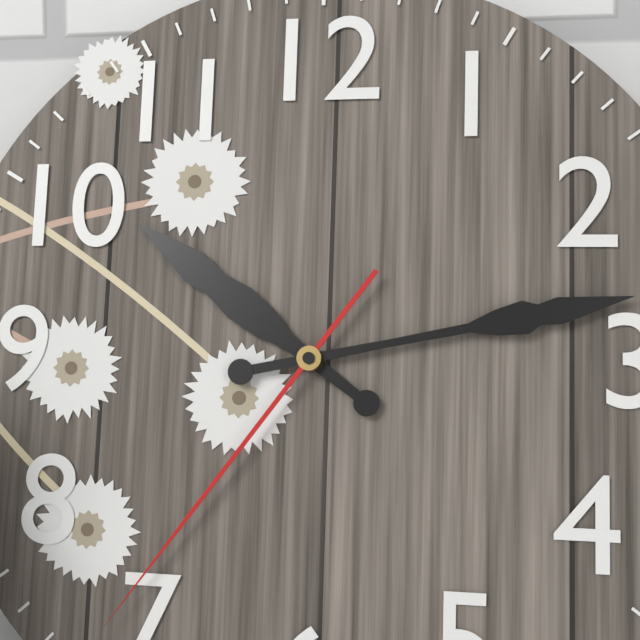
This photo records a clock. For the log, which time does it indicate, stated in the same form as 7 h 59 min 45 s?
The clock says 10 h 13 min 36 s
